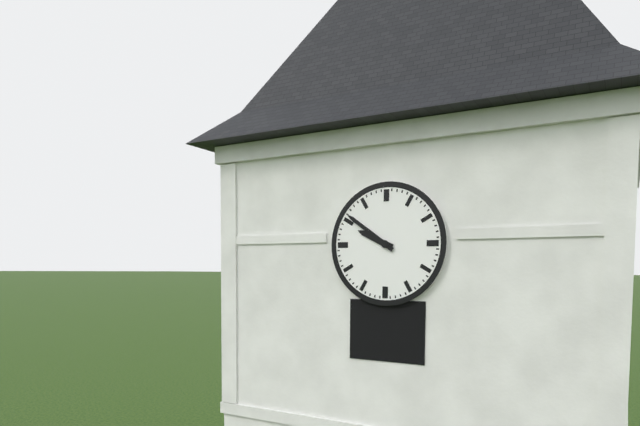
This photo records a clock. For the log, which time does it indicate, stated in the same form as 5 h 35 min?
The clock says 9 h 51 min
